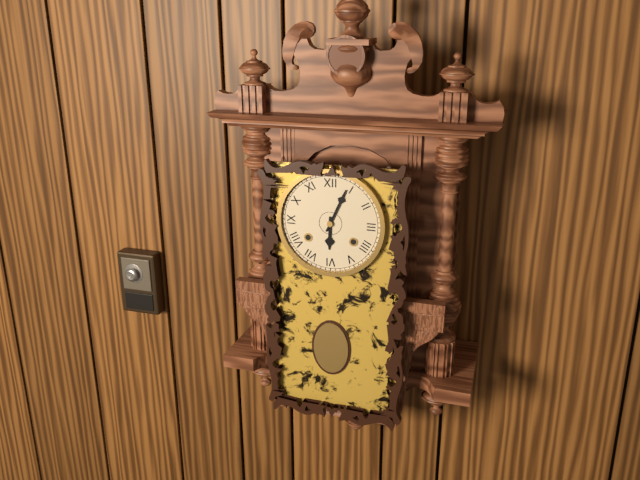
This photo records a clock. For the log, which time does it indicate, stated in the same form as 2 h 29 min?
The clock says 6 h 04 min
